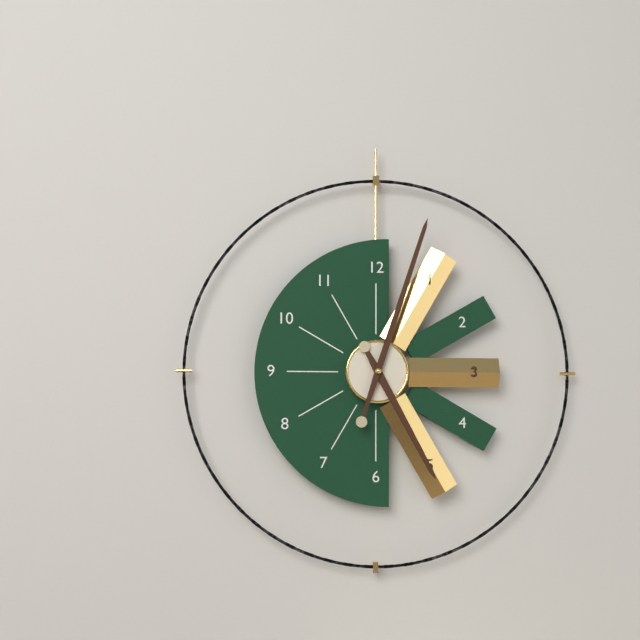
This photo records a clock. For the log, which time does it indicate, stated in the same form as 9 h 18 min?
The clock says 5 h 03 min
